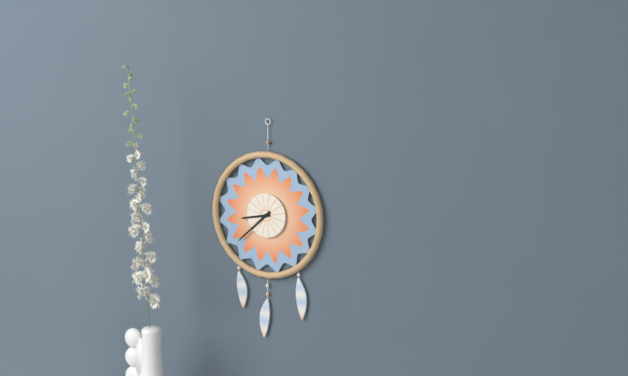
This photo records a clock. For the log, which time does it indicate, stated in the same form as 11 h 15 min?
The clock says 8 h 38 min
